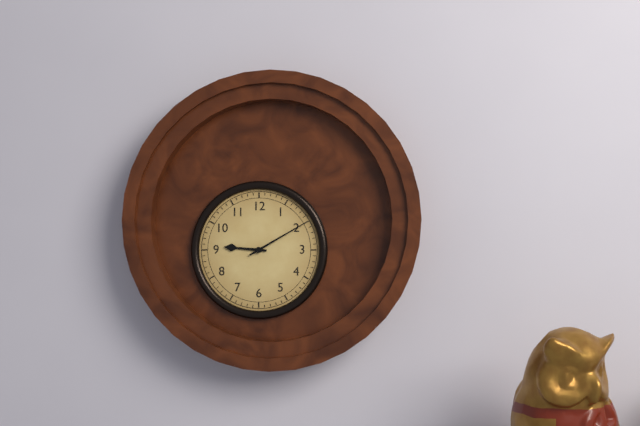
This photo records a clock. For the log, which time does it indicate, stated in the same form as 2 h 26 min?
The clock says 9 h 10 min
